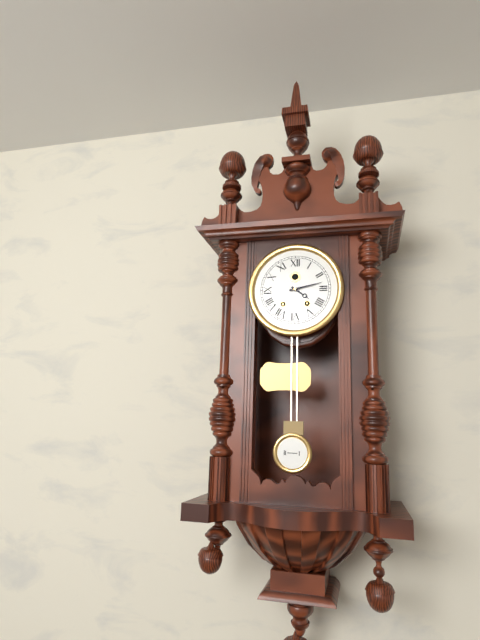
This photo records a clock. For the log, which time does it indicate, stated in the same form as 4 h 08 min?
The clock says 4 h 13 min
